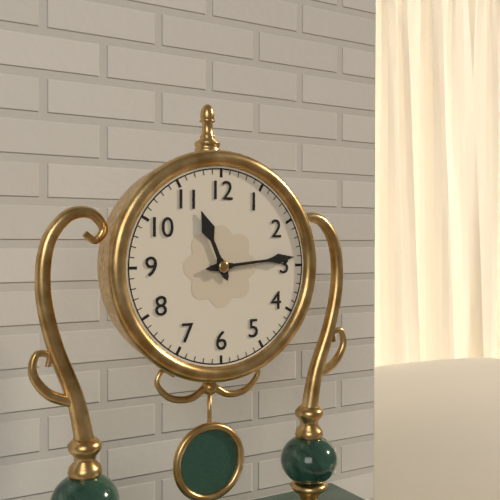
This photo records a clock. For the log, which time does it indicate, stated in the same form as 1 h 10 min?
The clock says 11 h 14 min
